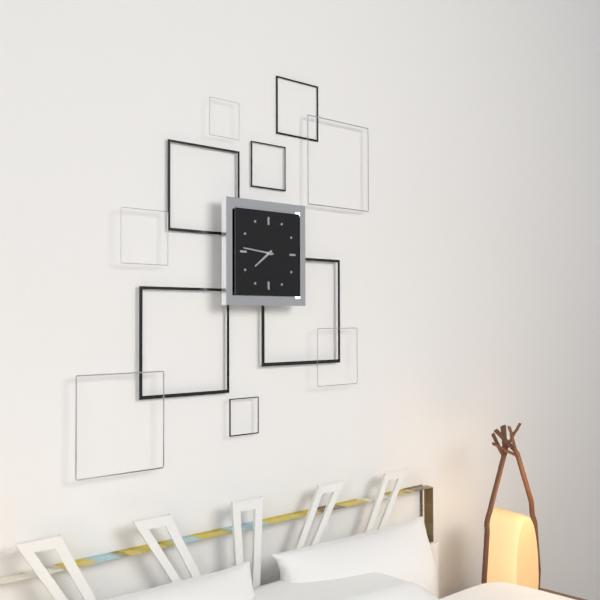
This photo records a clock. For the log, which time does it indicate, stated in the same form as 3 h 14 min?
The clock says 7 h 46 min
